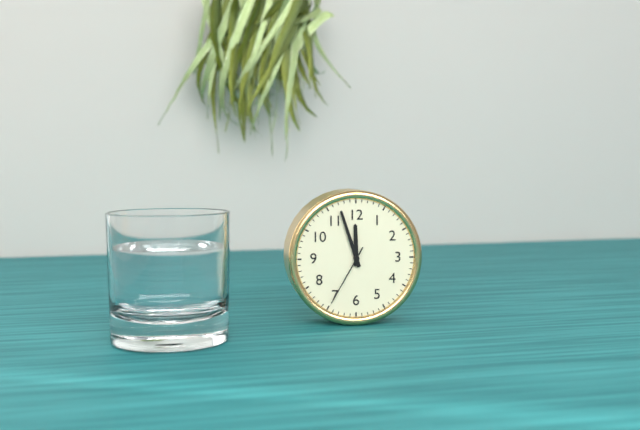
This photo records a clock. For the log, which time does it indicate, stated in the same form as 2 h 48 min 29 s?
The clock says 11 h 57 min 35 s
